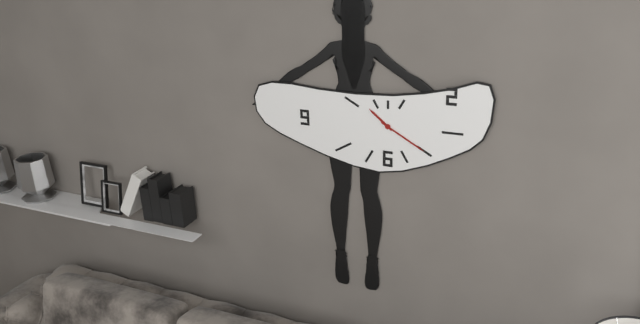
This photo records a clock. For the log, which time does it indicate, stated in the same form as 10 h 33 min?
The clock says 10 h 20 min
